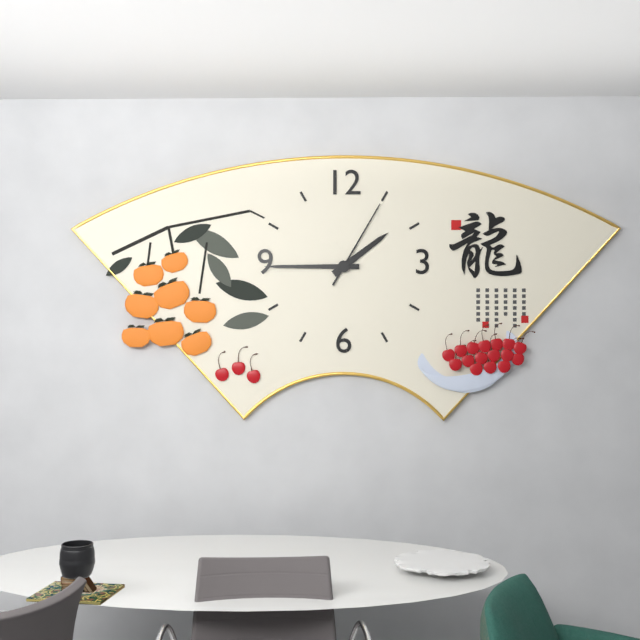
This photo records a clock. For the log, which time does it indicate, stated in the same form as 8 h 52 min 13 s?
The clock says 1 h 45 min 05 s
